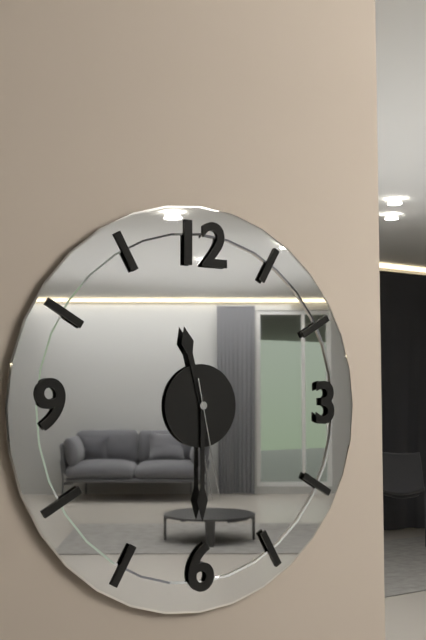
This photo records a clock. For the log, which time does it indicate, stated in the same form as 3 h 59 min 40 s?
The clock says 11 h 30 min 28 s
